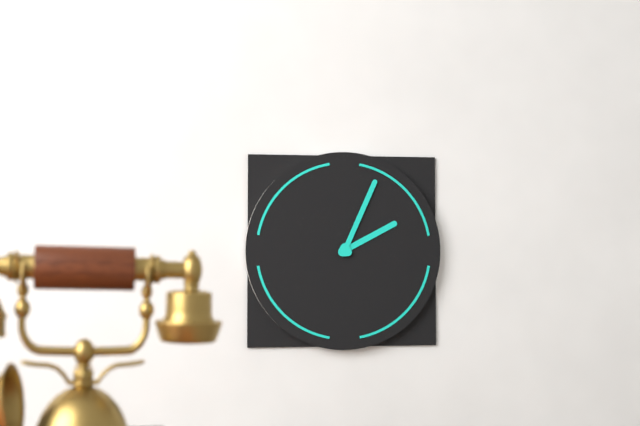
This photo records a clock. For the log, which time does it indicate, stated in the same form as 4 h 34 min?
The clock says 2 h 04 min
